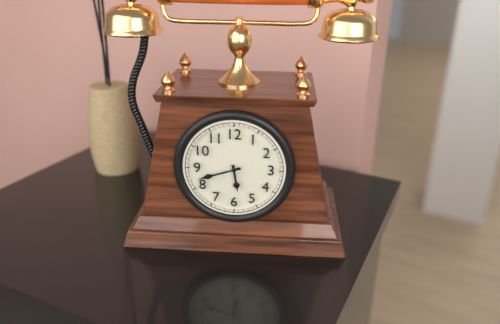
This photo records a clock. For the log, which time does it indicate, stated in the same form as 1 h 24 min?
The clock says 5 h 42 min
